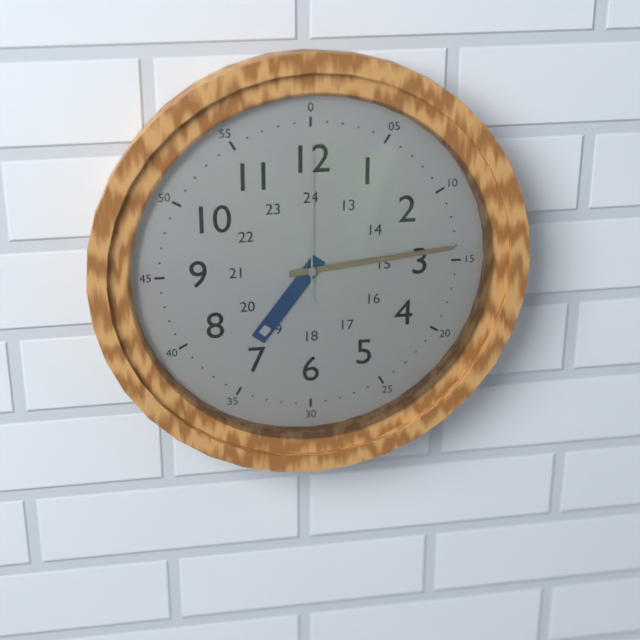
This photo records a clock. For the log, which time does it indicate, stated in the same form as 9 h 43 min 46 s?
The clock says 7 h 14 min 00 s
